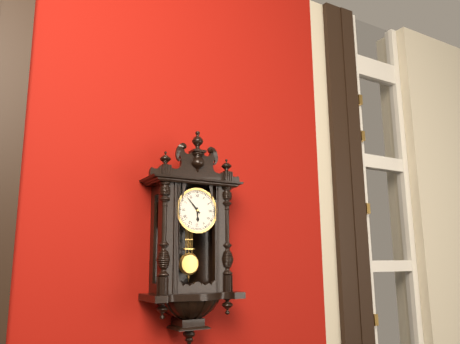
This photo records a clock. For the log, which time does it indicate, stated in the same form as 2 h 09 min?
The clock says 5 h 53 min
